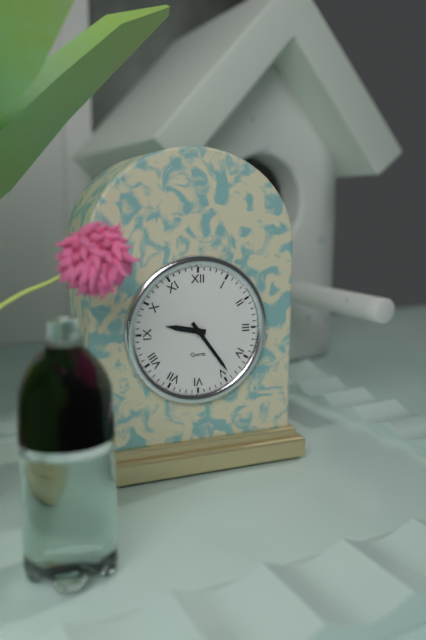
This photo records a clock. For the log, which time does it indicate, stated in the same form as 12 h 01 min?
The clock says 9 h 24 min
